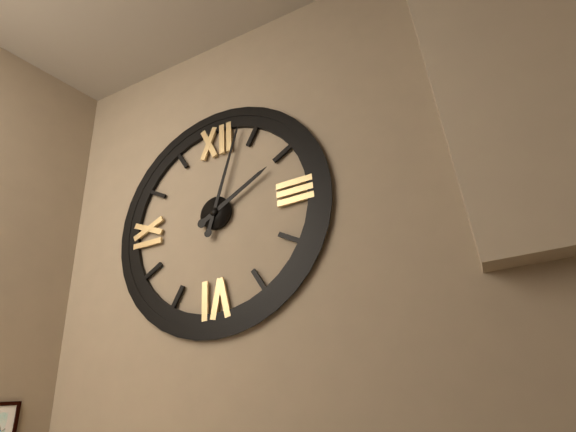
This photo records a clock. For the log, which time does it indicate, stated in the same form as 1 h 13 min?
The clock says 2 h 03 min
